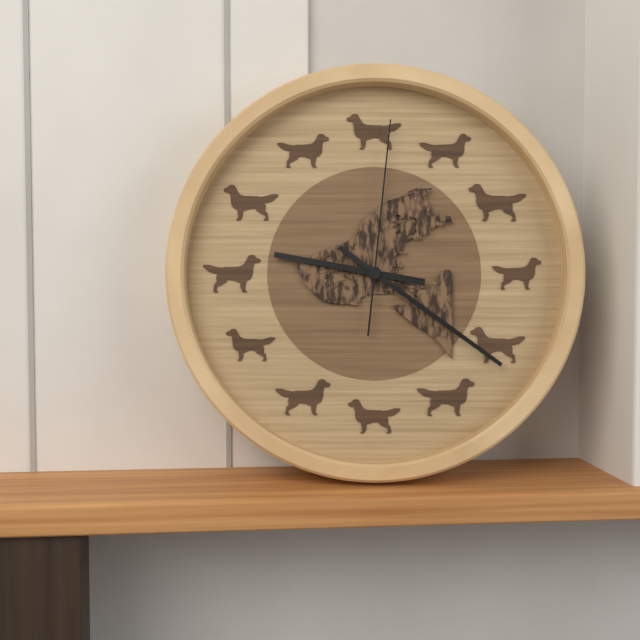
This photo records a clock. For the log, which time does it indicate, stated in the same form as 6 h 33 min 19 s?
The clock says 9 h 21 min 01 s
